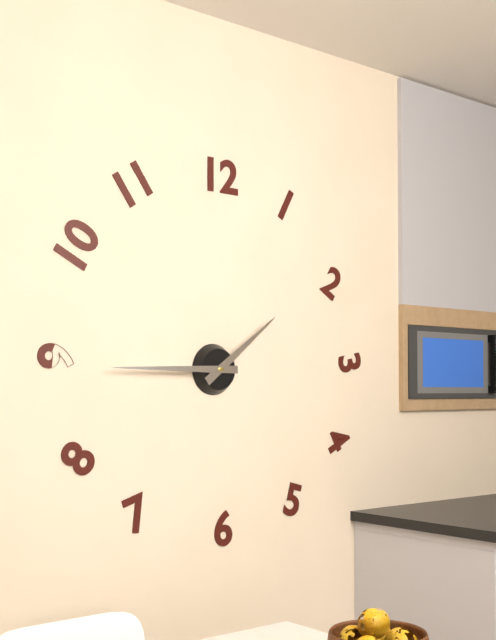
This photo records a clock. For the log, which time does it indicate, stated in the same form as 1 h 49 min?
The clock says 1 h 45 min
